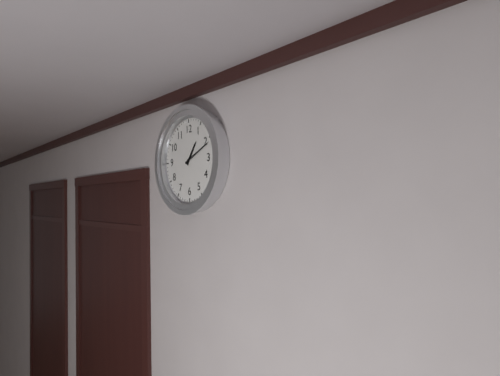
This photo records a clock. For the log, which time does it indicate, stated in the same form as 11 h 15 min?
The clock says 1 h 11 min
